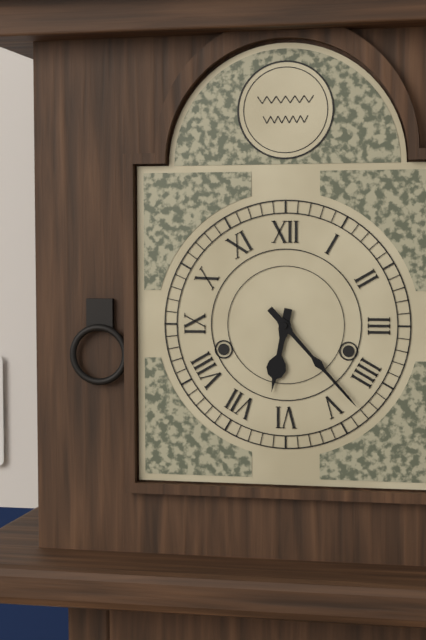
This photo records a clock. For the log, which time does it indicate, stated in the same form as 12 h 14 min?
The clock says 6 h 23 min
